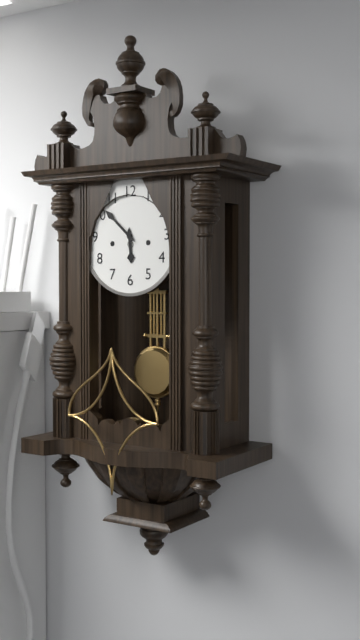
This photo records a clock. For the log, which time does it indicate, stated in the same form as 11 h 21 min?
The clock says 5 h 52 min
